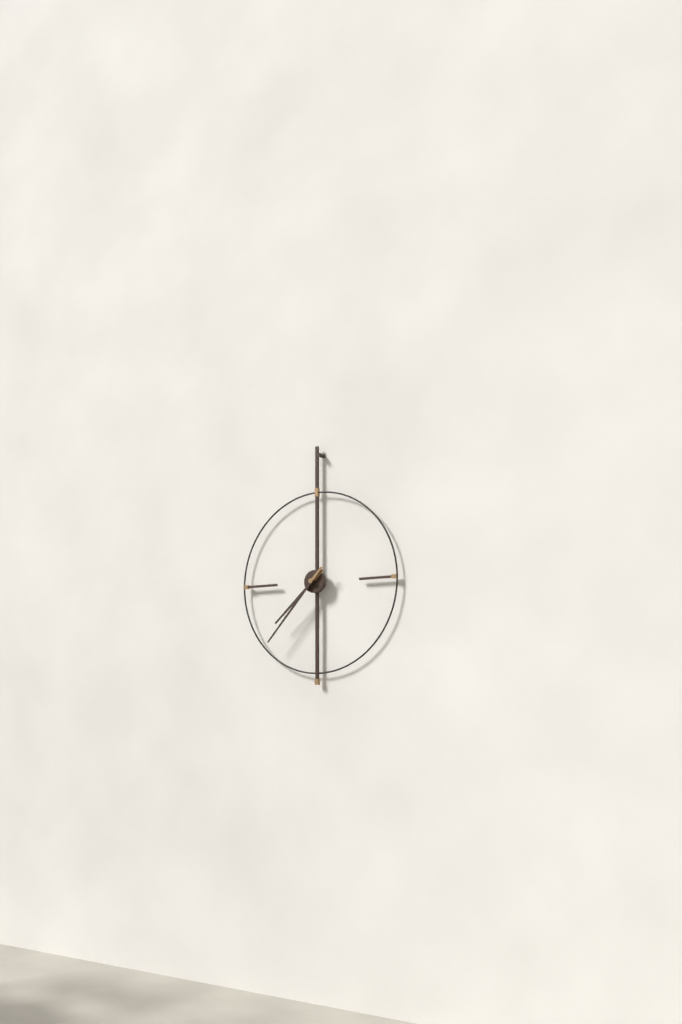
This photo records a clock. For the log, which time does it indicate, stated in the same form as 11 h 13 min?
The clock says 7 h 37 min
